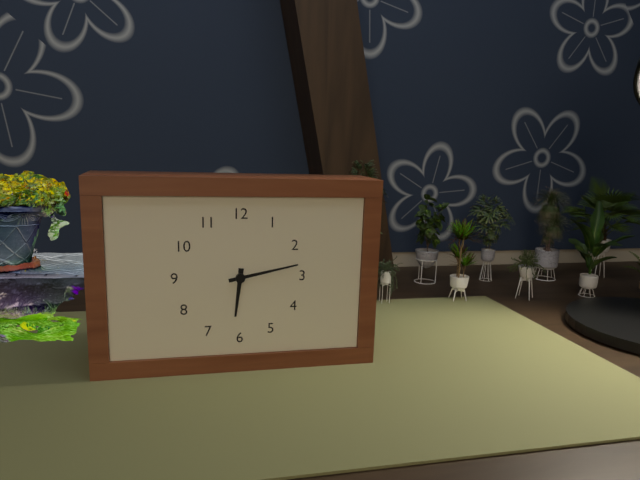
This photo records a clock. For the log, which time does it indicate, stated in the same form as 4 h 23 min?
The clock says 6 h 13 min
